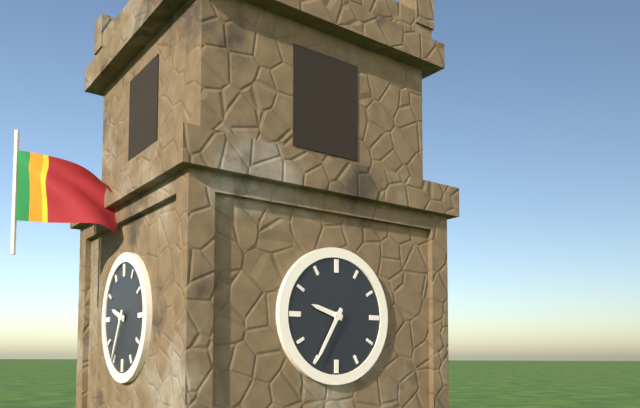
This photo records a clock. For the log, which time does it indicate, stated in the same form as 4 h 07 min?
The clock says 9 h 35 min
